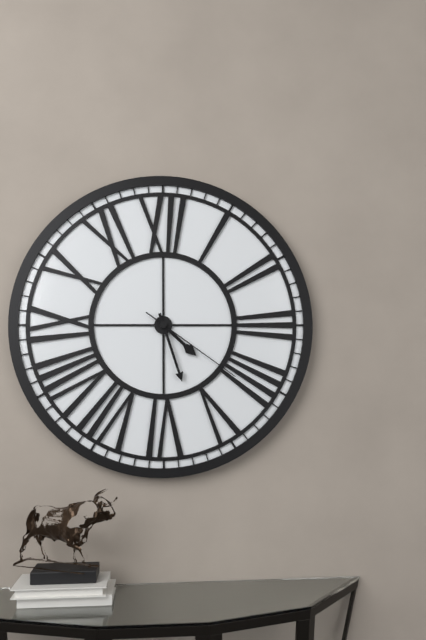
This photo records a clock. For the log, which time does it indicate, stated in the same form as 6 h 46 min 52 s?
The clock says 4 h 27 min 21 s
